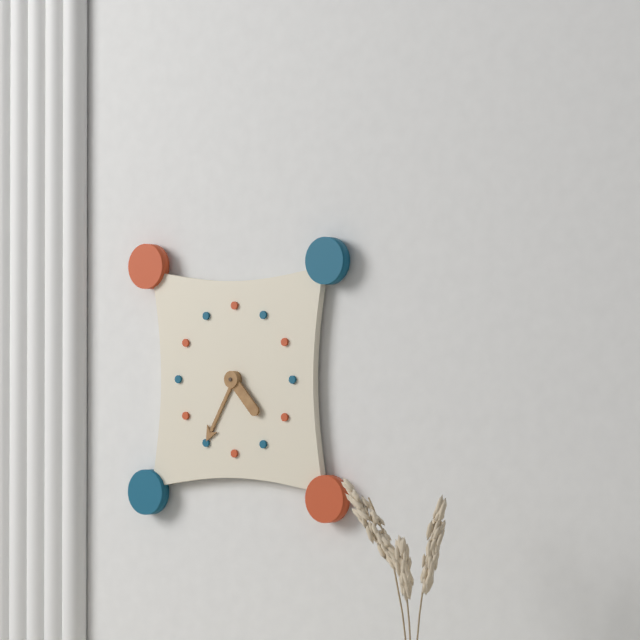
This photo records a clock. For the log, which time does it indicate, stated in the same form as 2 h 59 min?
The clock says 4 h 35 min
